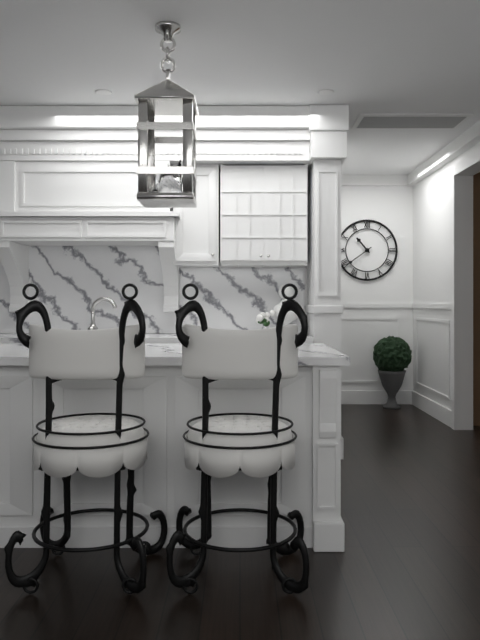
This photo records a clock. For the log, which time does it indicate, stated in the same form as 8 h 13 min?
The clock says 10 h 39 min
